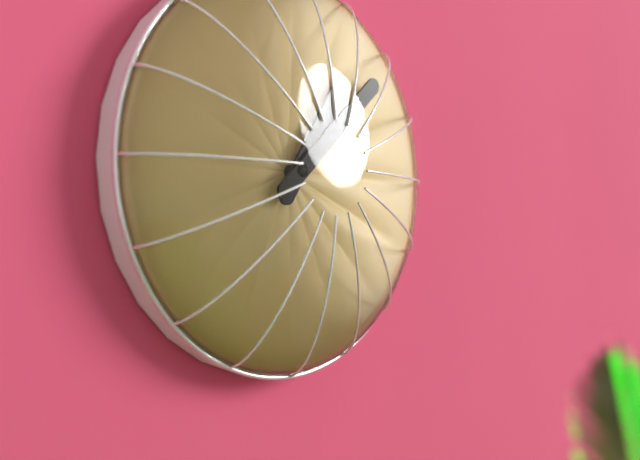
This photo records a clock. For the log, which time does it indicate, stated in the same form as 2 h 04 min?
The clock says 1 h 08 min
